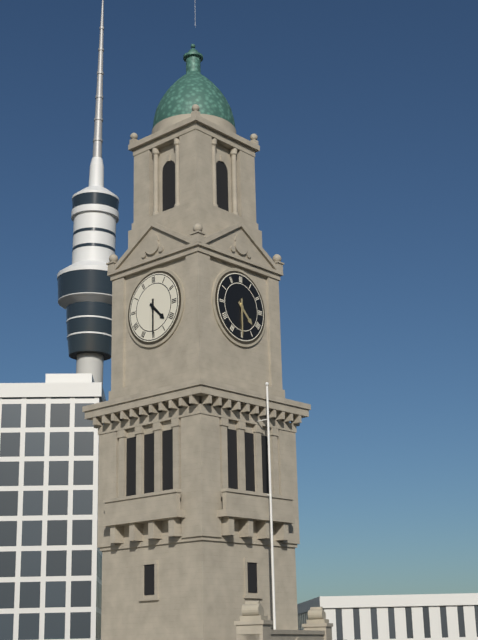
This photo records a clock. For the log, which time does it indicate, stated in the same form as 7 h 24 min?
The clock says 4 h 30 min
